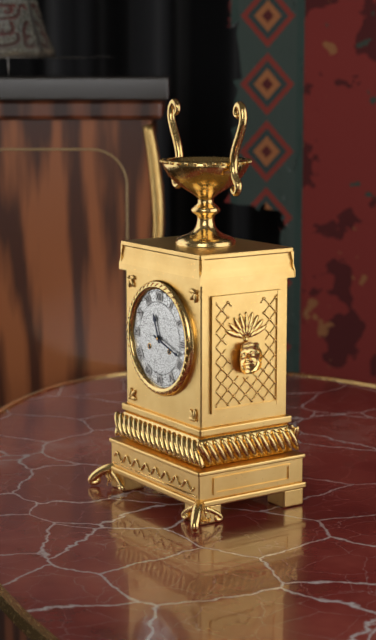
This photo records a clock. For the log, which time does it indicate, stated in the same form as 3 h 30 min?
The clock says 11 h 18 min
